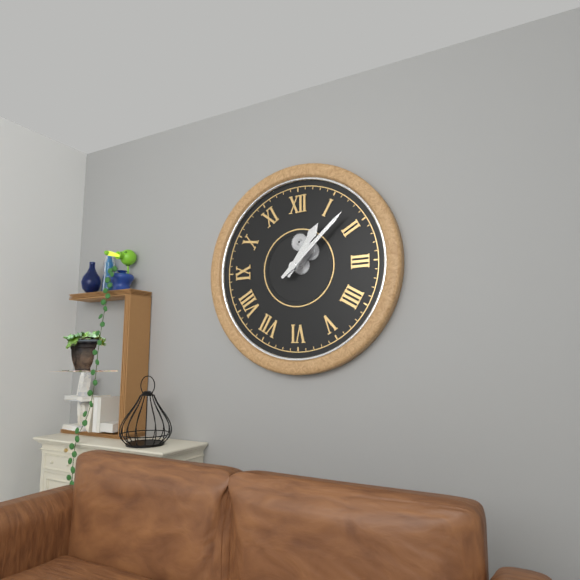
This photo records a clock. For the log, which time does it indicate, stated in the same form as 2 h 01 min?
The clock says 1 h 08 min
